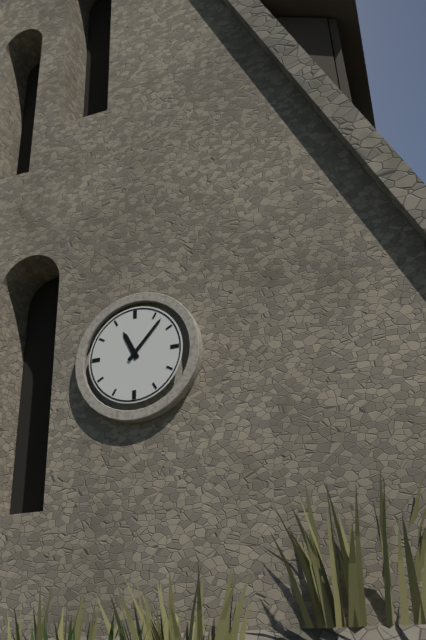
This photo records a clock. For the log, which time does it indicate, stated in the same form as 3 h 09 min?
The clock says 11 h 07 min
